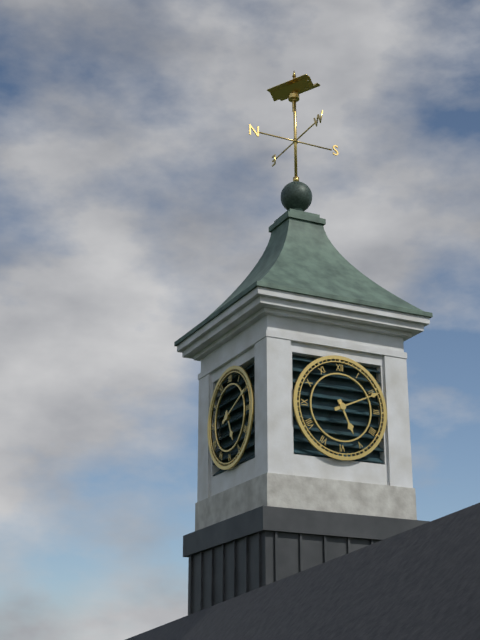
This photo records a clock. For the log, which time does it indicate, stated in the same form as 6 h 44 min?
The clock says 5 h 11 min
